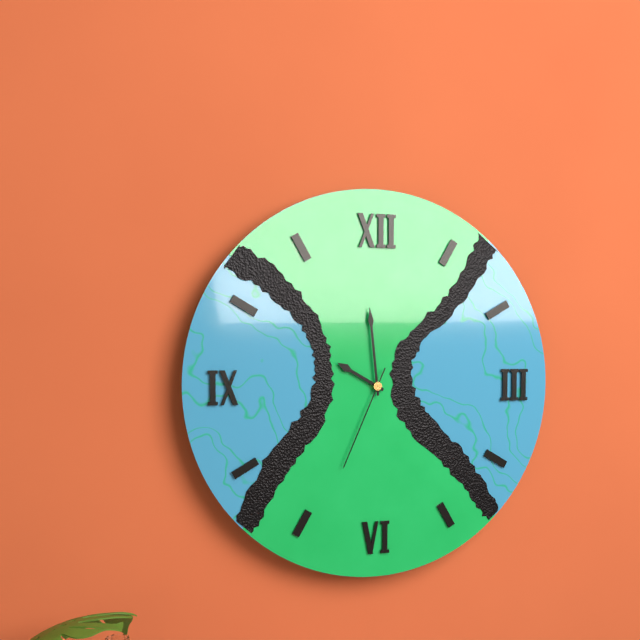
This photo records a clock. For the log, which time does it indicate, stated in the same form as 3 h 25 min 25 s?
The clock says 9 h 59 min 34 s
